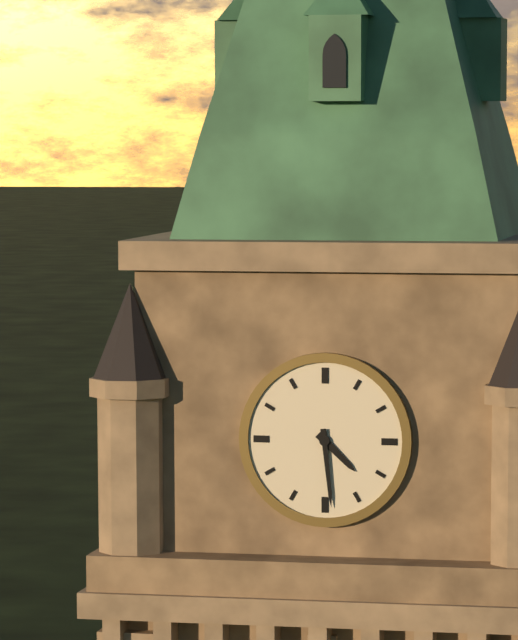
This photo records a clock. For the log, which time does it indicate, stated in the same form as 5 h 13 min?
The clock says 4 h 29 min
